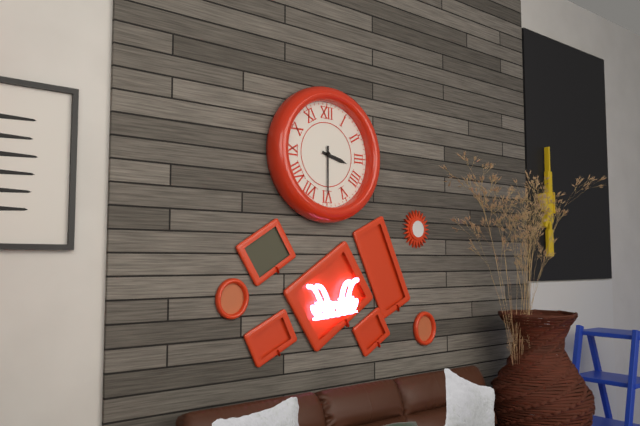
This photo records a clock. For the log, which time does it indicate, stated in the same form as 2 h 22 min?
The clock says 3 h 30 min
